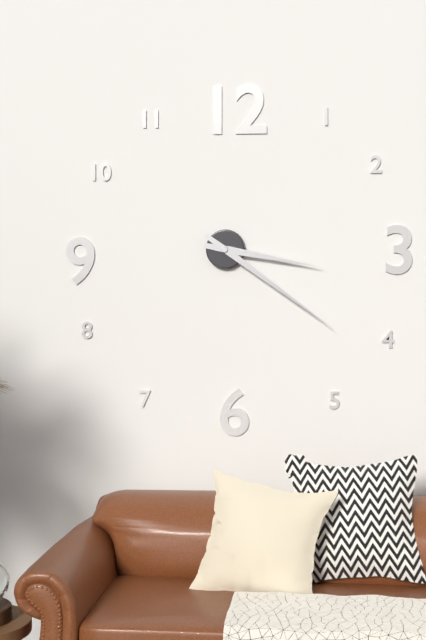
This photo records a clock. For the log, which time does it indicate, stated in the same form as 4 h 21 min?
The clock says 3 h 21 min
